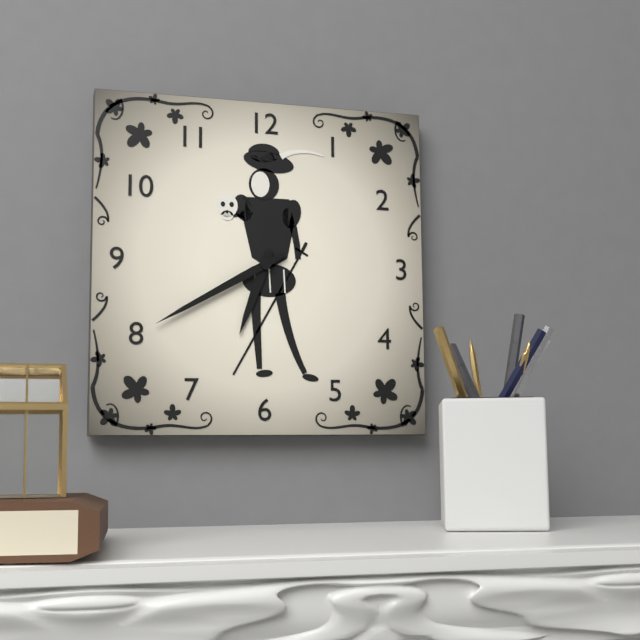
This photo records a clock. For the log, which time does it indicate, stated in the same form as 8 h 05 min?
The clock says 6 h 40 min
